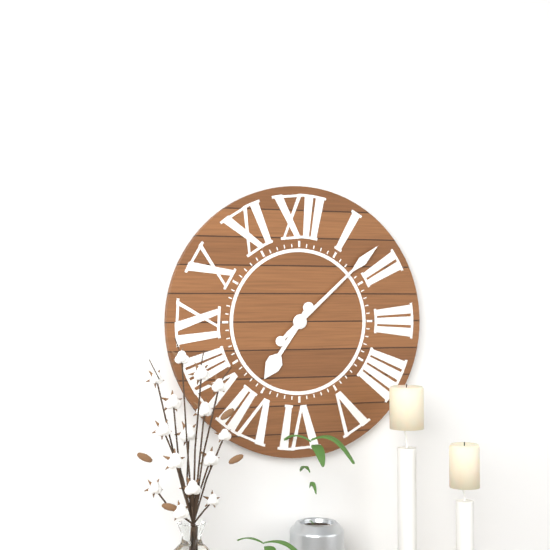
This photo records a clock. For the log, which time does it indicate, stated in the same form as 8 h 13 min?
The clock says 7 h 08 min
